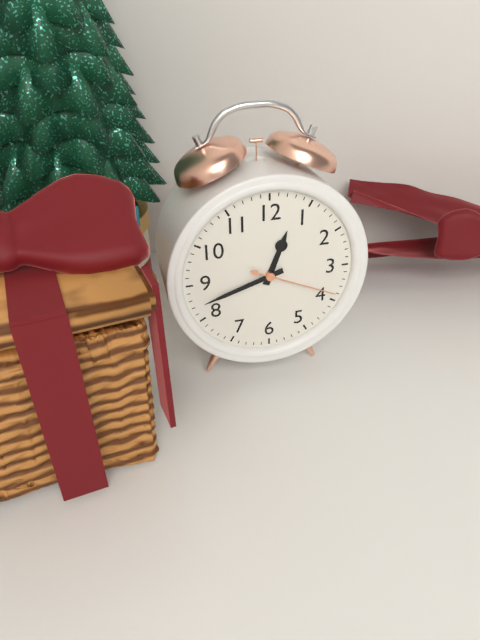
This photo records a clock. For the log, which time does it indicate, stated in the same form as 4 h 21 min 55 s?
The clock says 12 h 42 min 19 s
